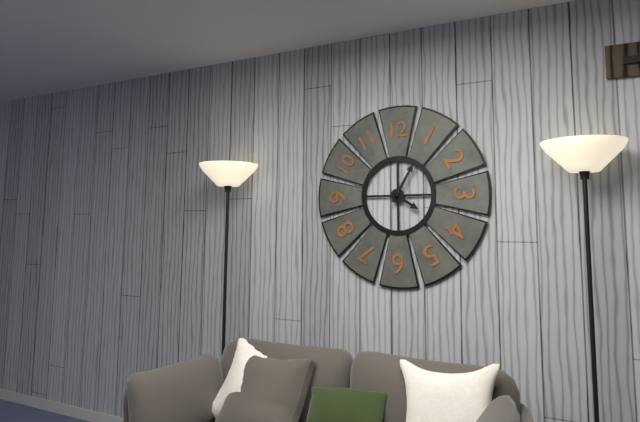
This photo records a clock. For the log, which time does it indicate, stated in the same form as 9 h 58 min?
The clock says 4 h 05 min
